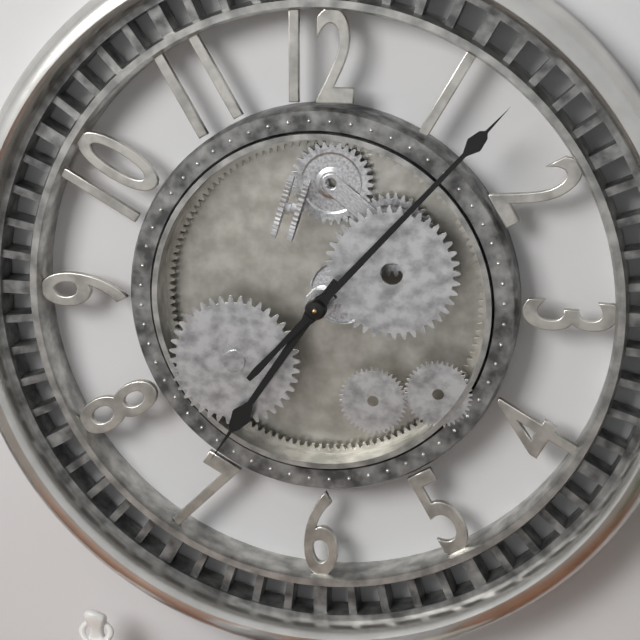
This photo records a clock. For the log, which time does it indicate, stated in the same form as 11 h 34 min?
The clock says 7 h 07 min
